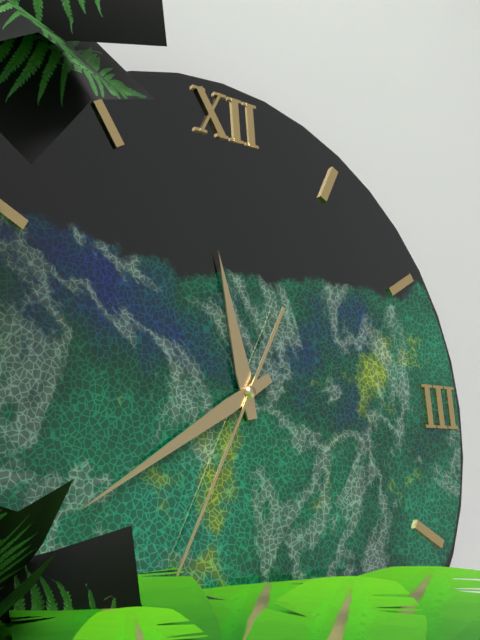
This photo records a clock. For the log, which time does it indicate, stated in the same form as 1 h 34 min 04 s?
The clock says 11 h 40 min 35 s
